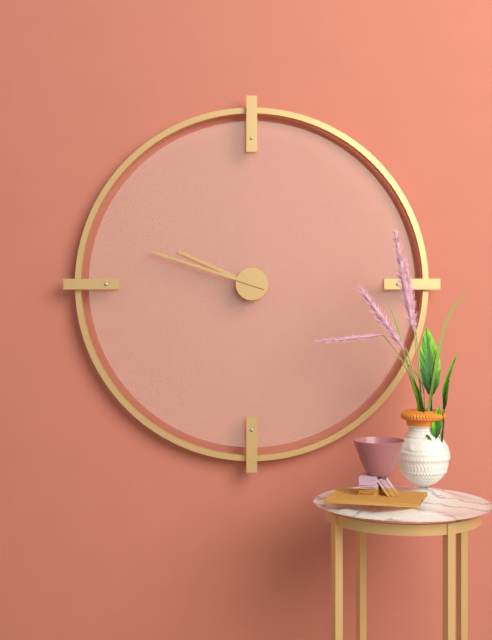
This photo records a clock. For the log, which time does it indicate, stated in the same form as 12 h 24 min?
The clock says 9 h 48 min
